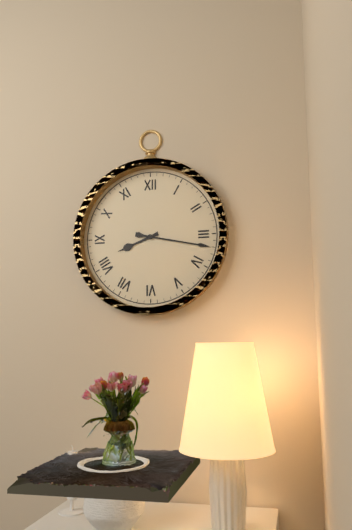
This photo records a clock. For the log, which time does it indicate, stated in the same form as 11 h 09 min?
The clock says 8 h 17 min
